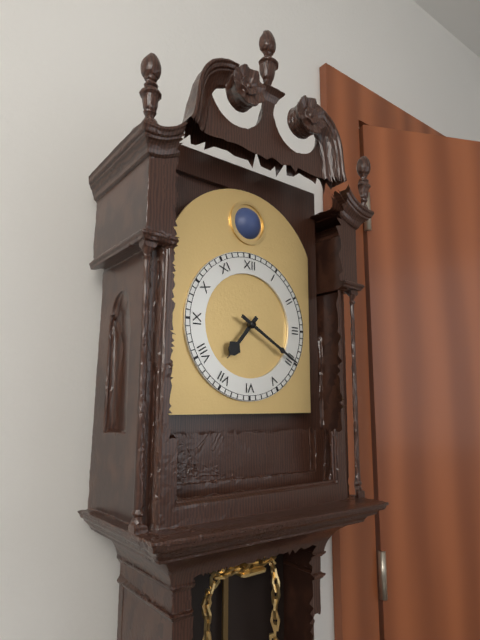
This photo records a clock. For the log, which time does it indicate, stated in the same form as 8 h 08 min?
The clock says 7 h 20 min
